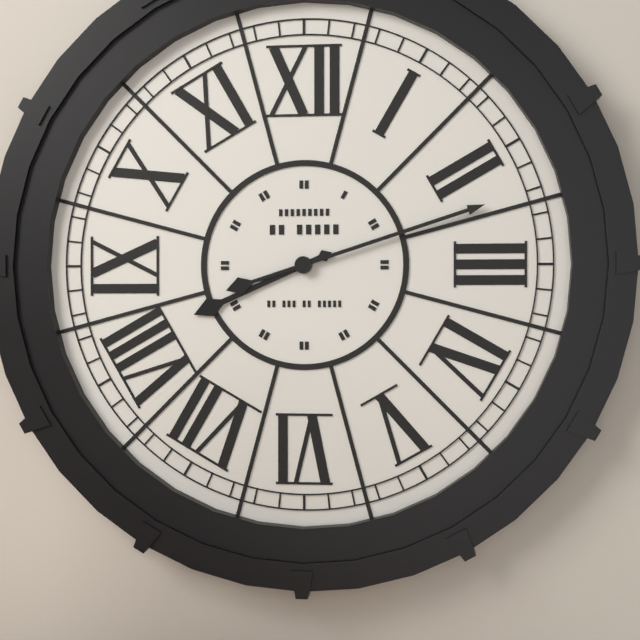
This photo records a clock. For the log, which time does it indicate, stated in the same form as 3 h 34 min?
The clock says 8 h 12 min
